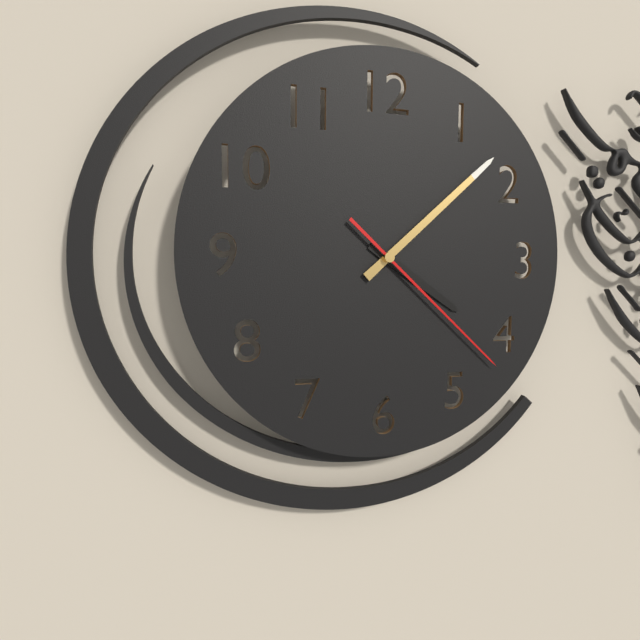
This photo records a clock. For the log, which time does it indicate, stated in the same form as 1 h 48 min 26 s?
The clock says 4 h 08 min 22 s
